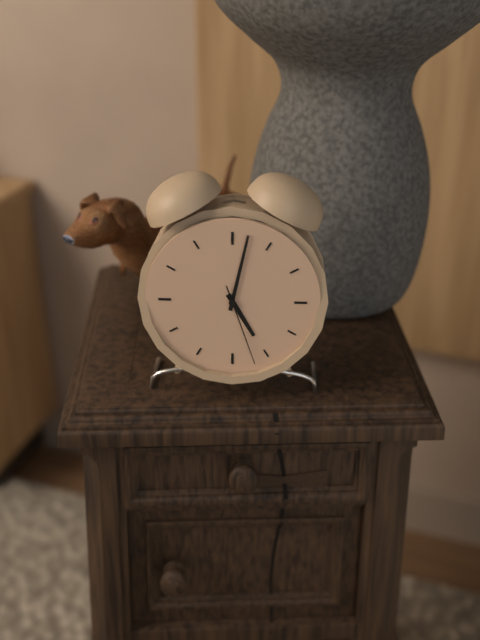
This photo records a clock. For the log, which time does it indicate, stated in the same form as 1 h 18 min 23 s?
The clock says 5 h 02 min 27 s
